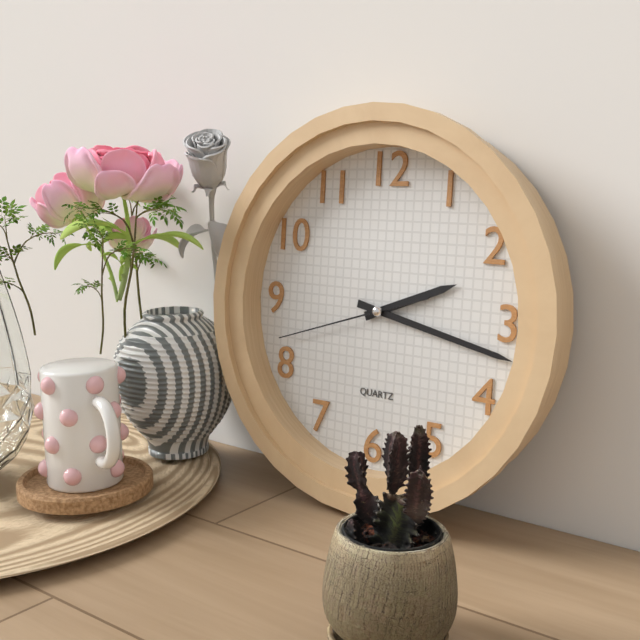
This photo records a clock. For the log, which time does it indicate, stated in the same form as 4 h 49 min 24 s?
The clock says 2 h 17 min 42 s
